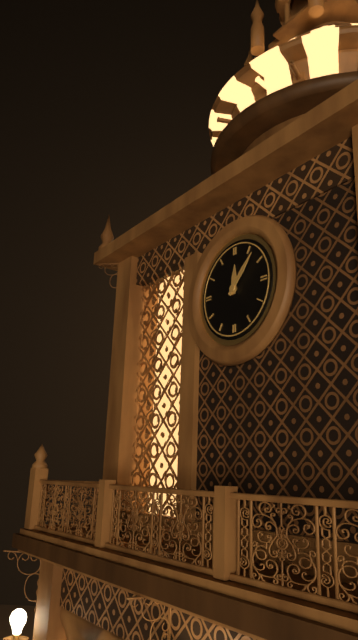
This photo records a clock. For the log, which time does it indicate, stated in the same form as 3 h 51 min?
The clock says 12 h 07 min
